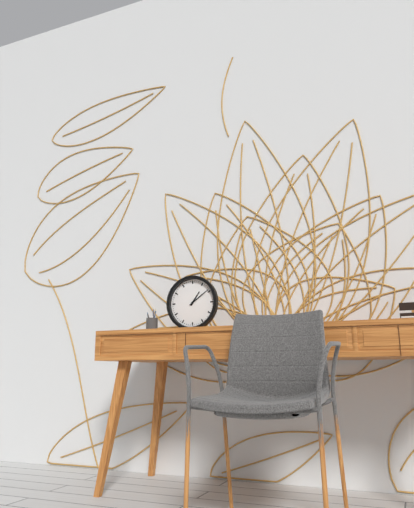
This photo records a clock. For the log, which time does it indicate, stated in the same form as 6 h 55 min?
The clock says 1 h 09 min
